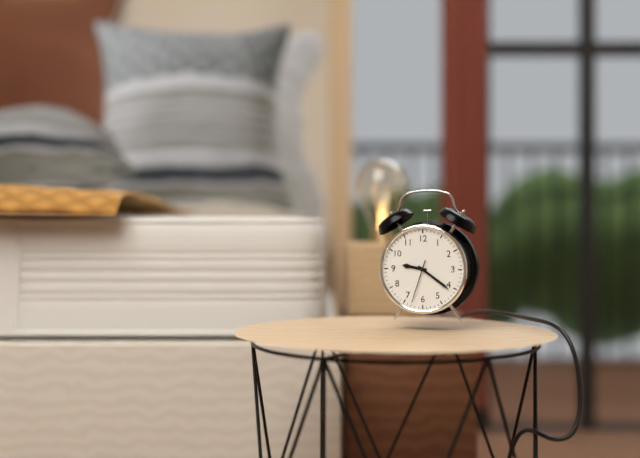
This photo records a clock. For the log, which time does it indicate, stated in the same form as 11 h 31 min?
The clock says 9 h 21 min
